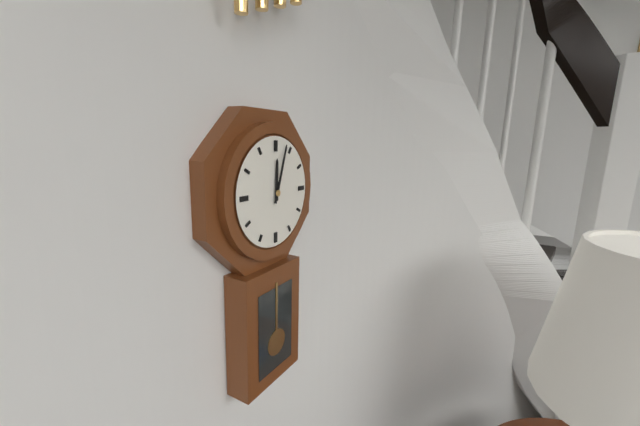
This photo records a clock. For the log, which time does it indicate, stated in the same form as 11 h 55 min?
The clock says 12 h 03 min
